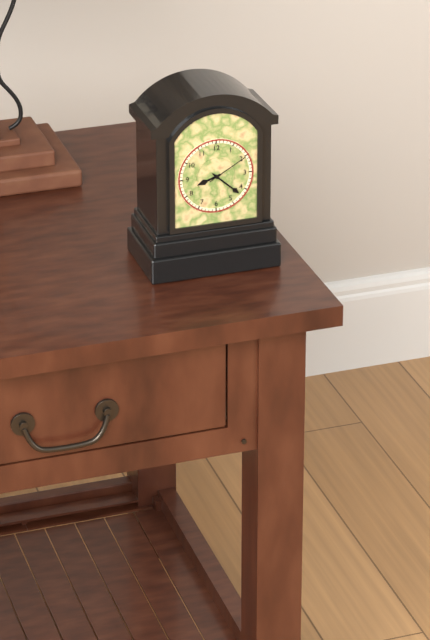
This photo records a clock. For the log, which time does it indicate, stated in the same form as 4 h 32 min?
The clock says 8 h 22 min
